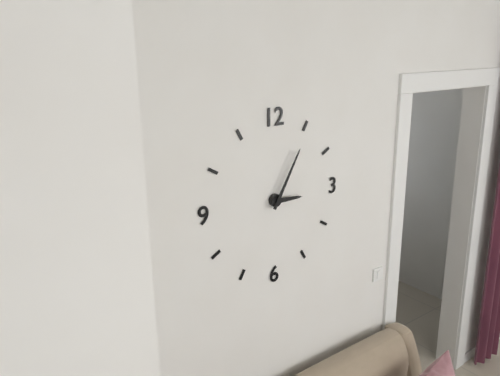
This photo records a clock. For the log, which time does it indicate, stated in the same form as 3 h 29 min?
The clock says 3 h 05 min
